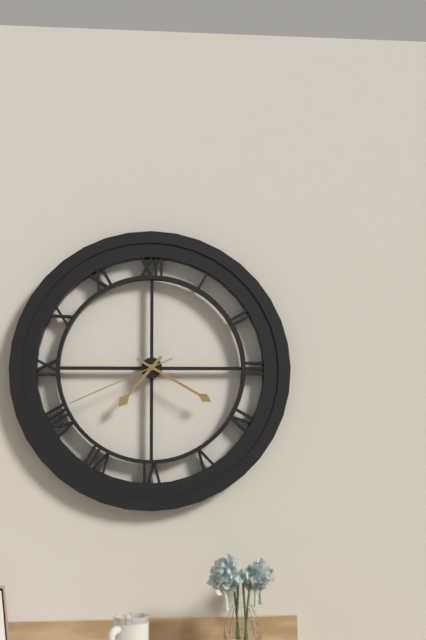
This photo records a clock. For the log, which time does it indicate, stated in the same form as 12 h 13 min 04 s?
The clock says 7 h 20 min 41 s
